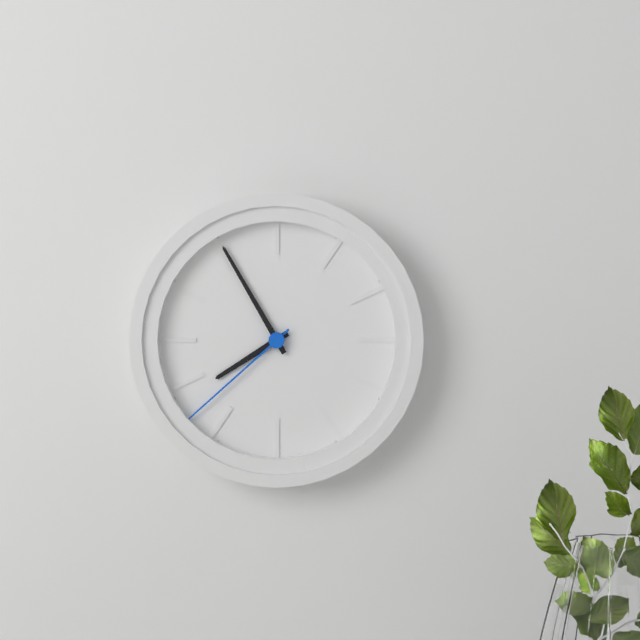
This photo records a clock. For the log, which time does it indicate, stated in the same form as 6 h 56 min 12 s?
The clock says 7 h 55 min 38 s
